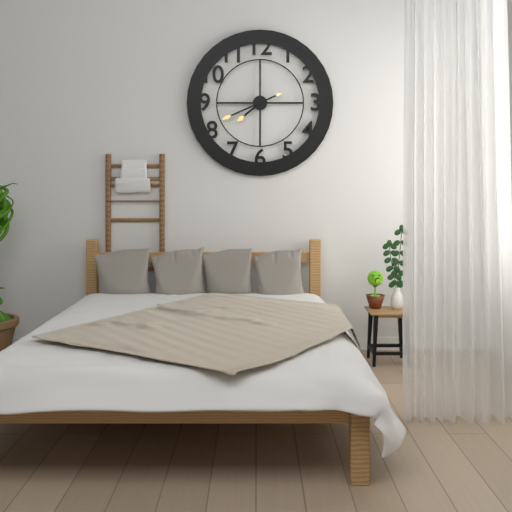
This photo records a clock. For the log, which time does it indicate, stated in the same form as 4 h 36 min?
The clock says 7 h 41 min
